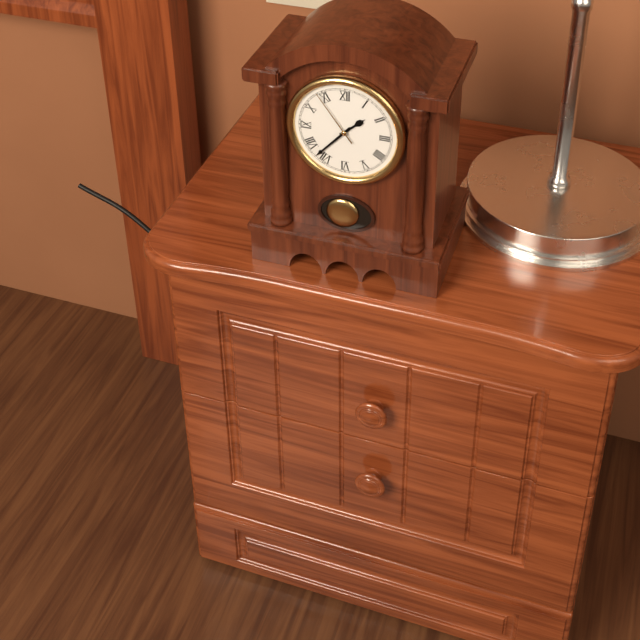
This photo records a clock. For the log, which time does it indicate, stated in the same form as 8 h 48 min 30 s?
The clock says 1 h 37 min 54 s
